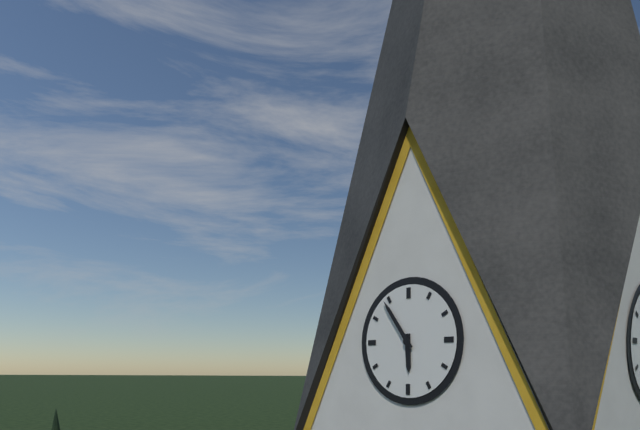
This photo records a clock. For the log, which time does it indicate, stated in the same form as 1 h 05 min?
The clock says 5 h 54 min
